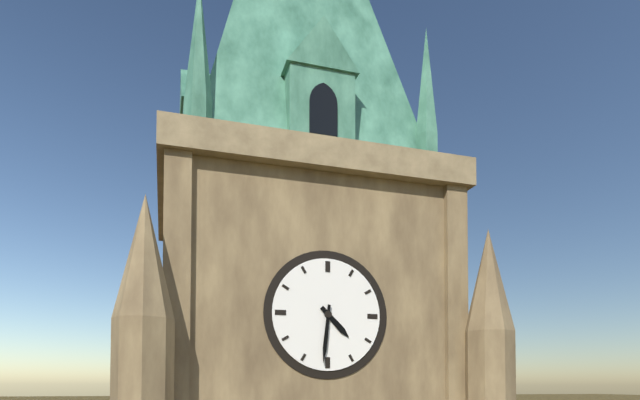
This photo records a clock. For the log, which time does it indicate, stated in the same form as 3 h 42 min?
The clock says 4 h 31 min
